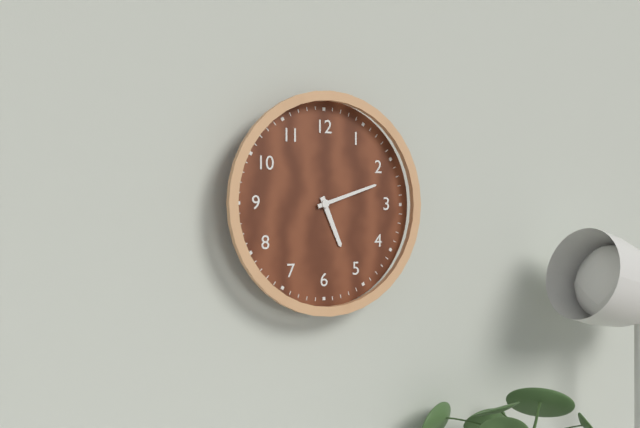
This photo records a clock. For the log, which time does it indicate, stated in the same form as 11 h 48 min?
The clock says 5 h 12 min
